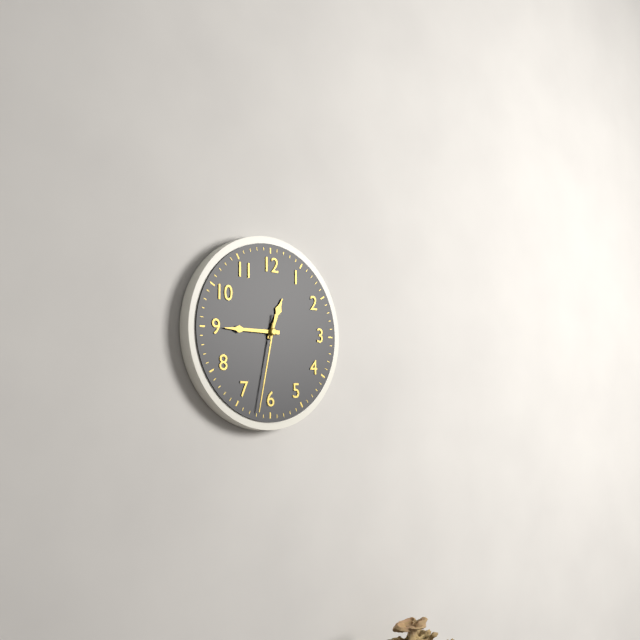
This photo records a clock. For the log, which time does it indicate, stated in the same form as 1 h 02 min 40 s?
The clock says 12 h 45 min 32 s
